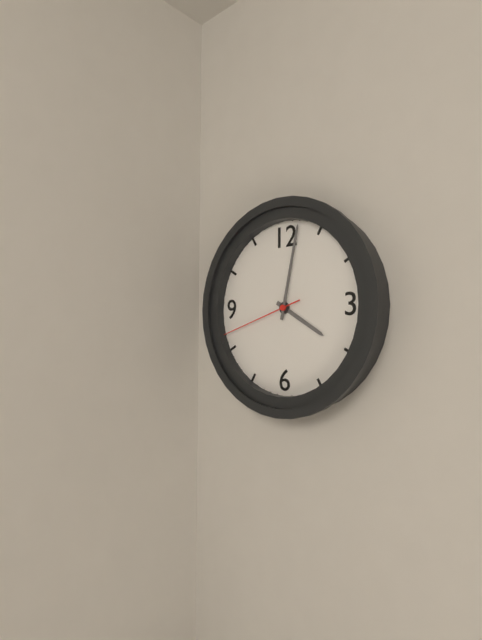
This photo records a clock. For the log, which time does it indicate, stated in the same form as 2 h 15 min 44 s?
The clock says 4 h 02 min 42 s
